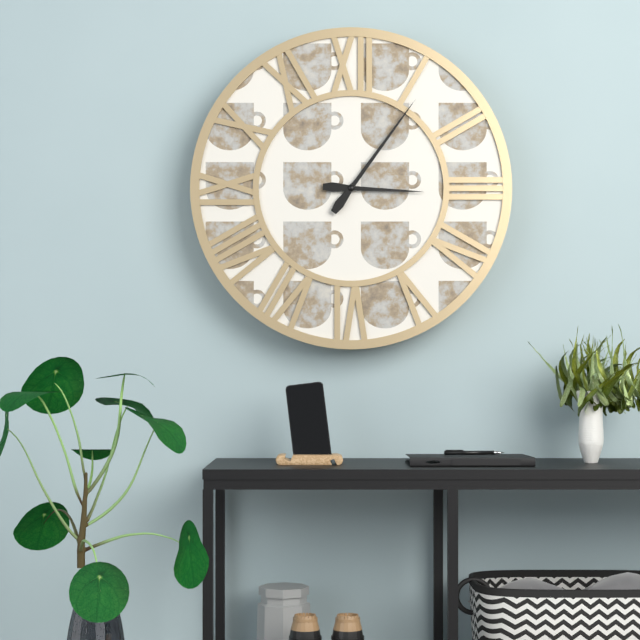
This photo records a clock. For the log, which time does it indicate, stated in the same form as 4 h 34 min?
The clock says 3 h 06 min
